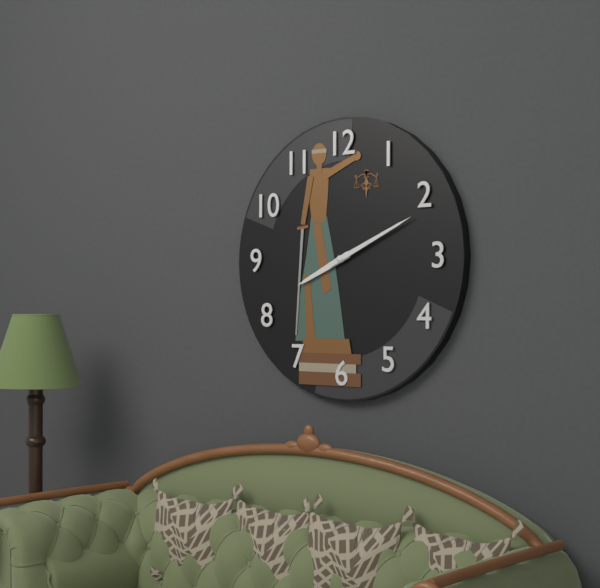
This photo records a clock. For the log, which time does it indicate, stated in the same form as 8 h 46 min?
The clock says 8 h 11 min
